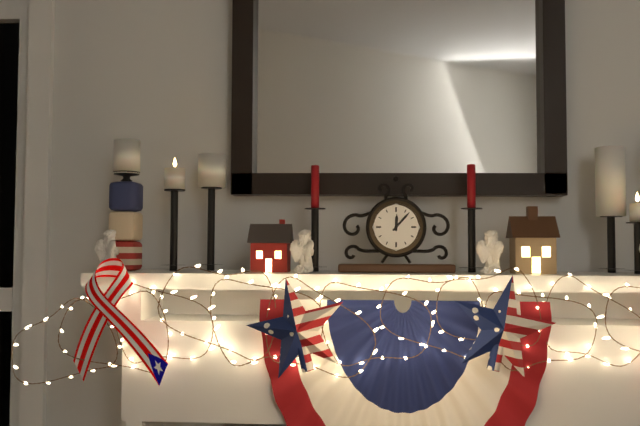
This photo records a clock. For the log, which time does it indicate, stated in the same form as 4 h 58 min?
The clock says 12 h 07 min
